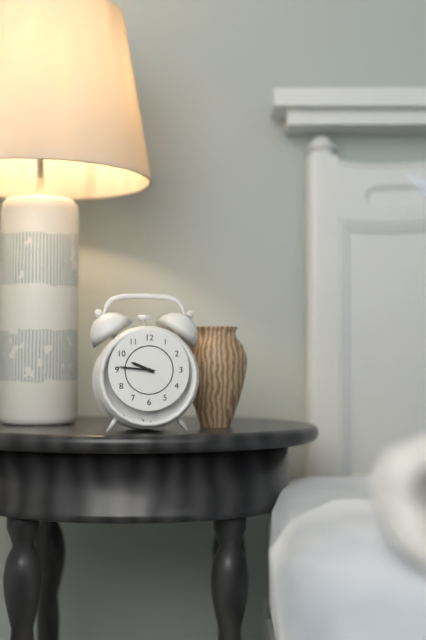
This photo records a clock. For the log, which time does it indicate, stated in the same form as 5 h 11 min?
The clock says 9 h 46 min
